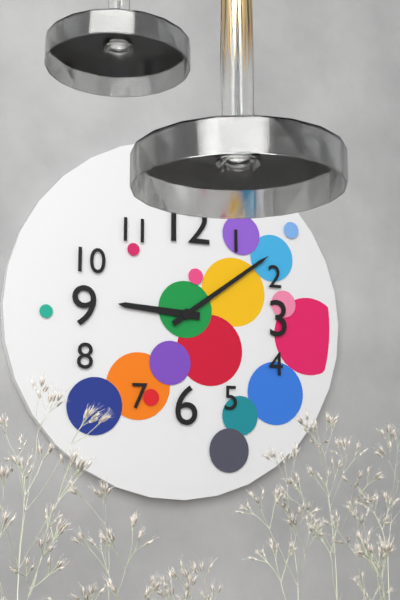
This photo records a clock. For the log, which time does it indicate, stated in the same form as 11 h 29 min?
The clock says 9 h 09 min
